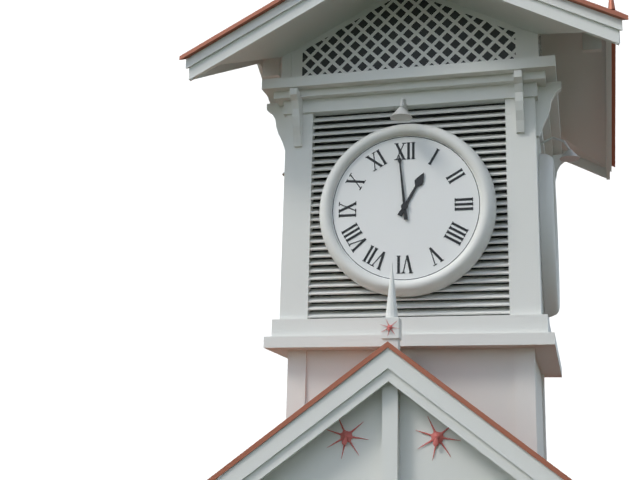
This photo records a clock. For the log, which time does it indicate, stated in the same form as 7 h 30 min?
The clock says 12 h 59 min
